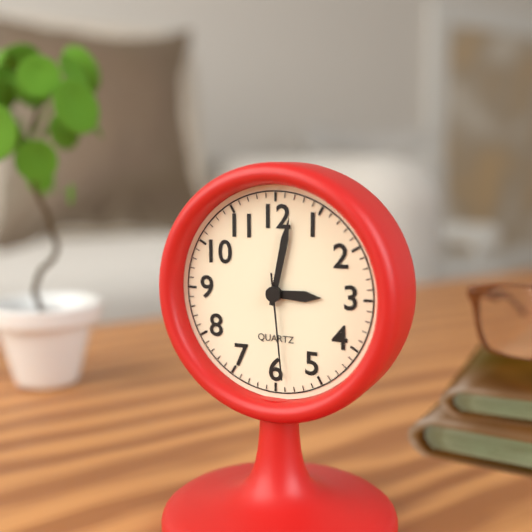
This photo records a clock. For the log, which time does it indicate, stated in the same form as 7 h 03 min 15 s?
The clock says 3 h 02 min 29 s
